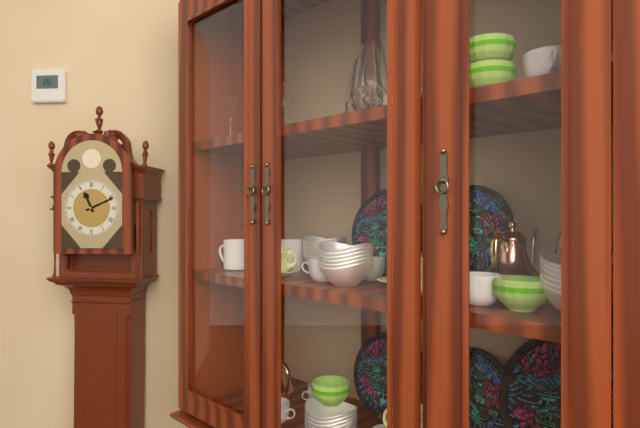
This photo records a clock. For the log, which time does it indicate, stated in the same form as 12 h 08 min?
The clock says 11 h 11 min
